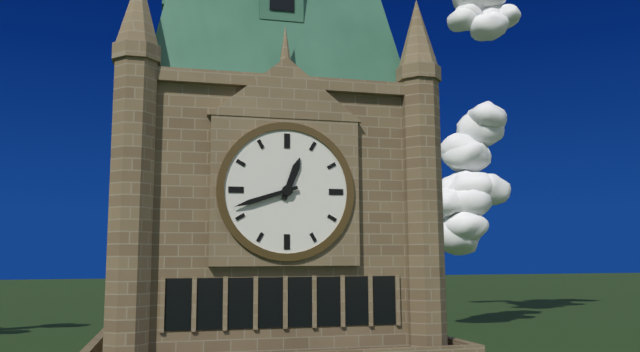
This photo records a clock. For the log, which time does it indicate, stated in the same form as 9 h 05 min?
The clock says 12 h 42 min
